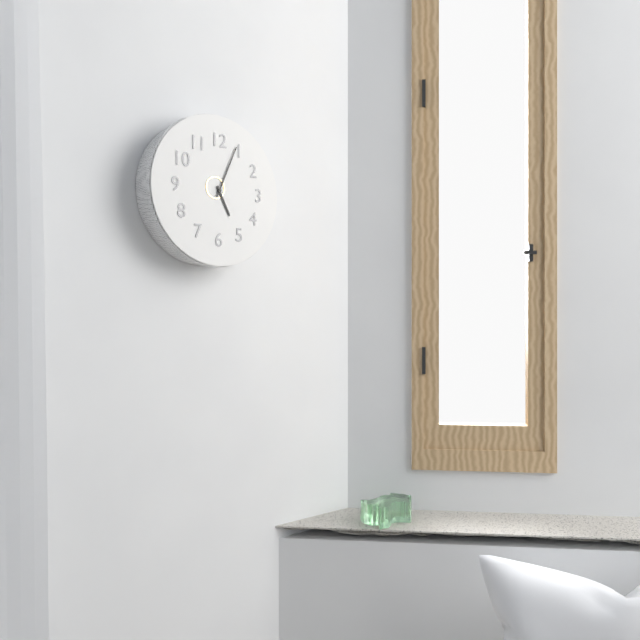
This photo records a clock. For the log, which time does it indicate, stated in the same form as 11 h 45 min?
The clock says 5 h 04 min
